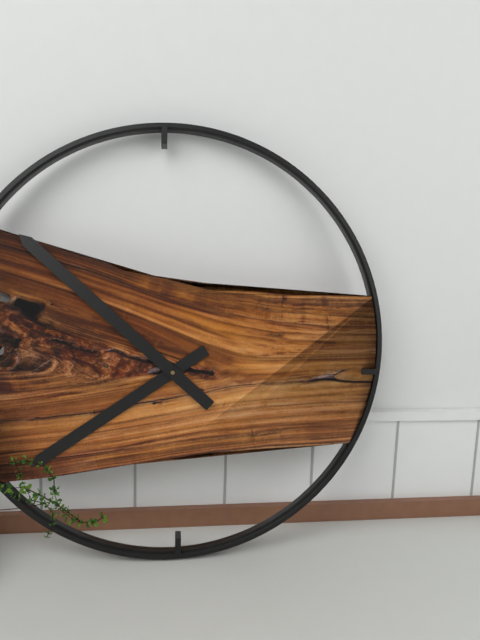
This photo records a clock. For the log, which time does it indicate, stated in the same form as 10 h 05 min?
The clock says 7 h 52 min
